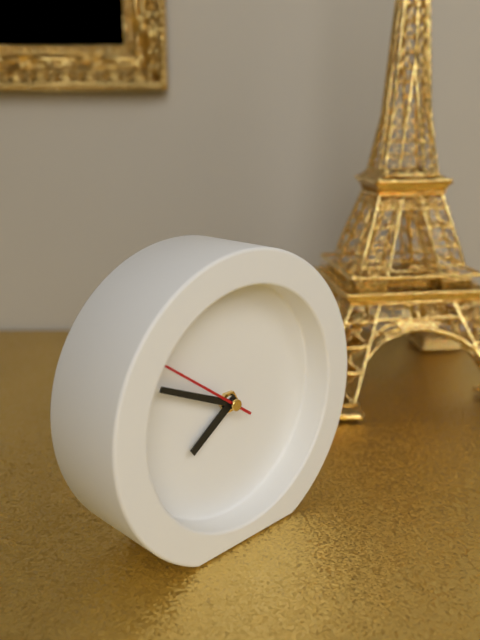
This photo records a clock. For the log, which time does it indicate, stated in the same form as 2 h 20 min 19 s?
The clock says 7 h 49 min 51 s
